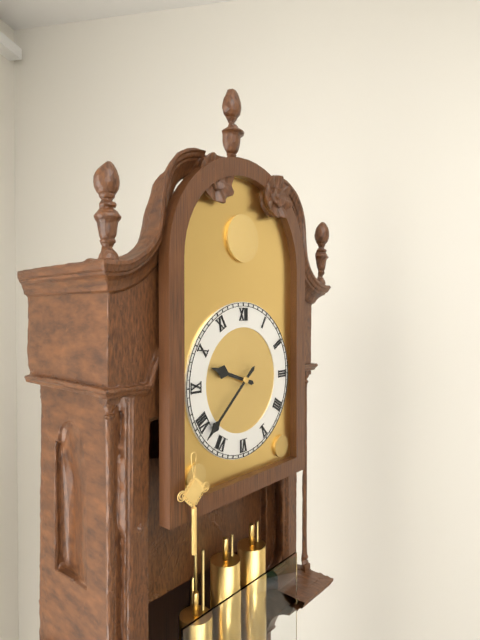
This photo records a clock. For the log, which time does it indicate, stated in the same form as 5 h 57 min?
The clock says 9 h 38 min
